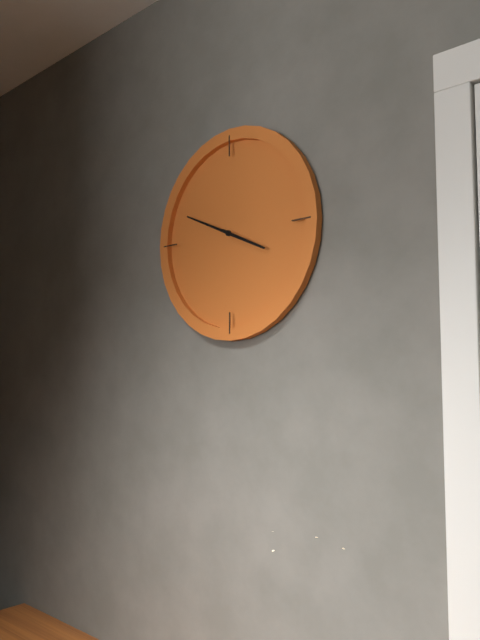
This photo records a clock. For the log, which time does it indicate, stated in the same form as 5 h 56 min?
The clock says 3 h 49 min
